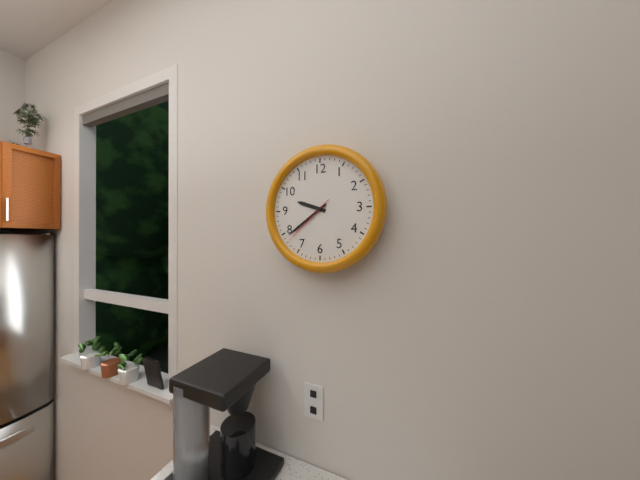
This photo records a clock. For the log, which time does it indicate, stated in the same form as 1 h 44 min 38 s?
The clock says 9 h 39 min 38 s
